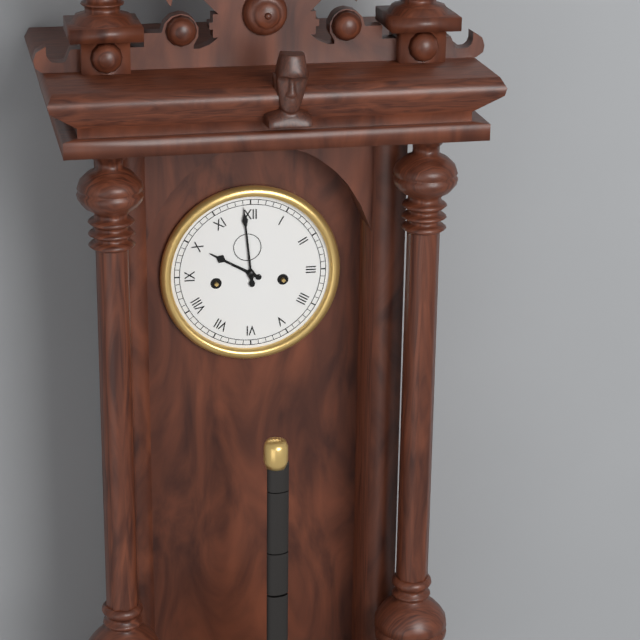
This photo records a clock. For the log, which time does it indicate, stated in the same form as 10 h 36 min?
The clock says 9 h 59 min
